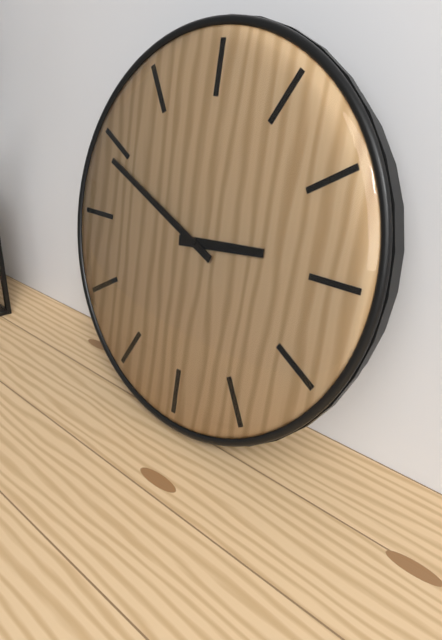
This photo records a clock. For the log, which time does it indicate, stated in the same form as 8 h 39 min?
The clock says 2 h 49 min
